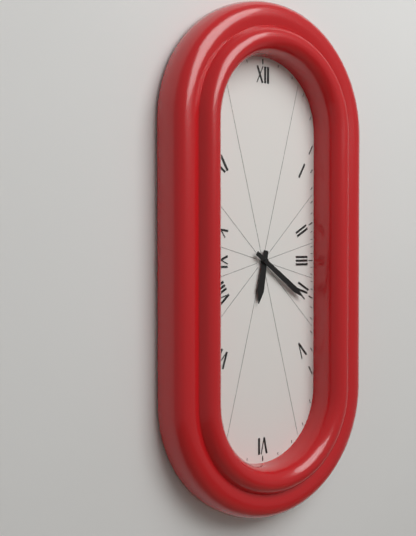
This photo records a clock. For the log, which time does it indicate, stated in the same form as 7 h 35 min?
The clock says 6 h 21 min
